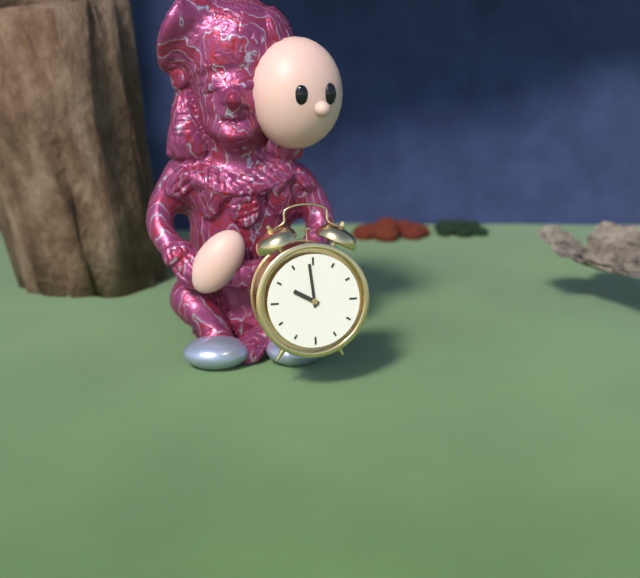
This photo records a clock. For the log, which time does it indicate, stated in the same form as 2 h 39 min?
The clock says 9 h 59 min
